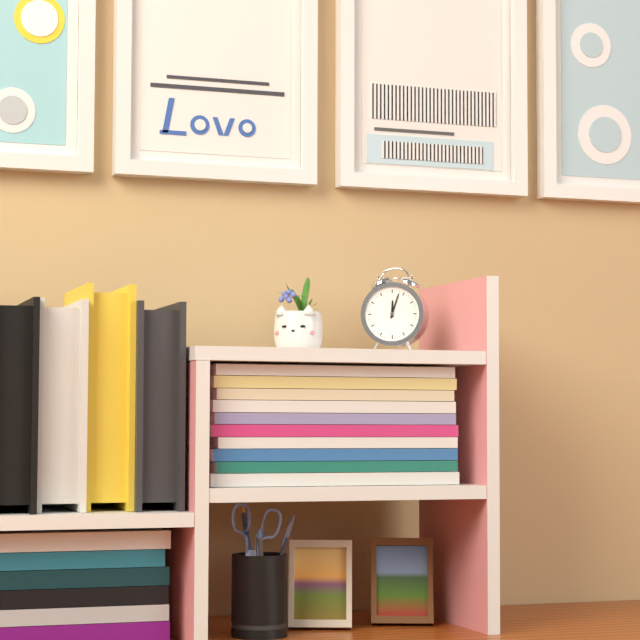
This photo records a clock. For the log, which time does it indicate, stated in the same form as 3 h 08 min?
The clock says 12 h 03 min
